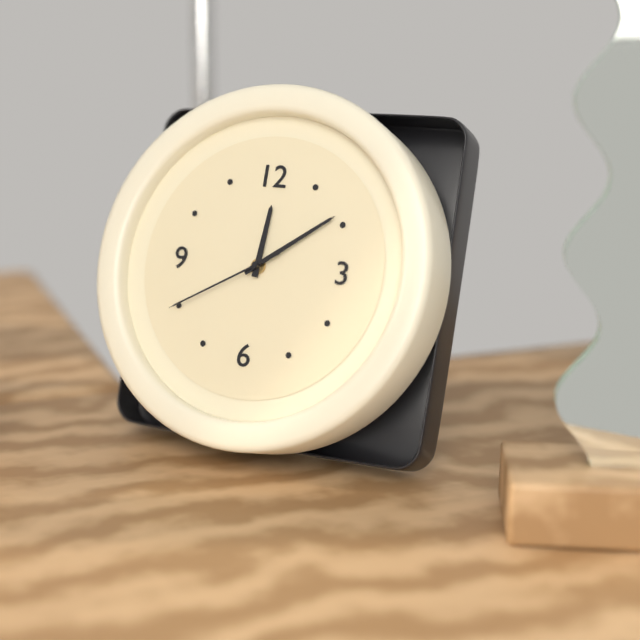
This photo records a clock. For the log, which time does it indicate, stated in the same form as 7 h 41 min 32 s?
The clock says 12 h 09 min 40 s
